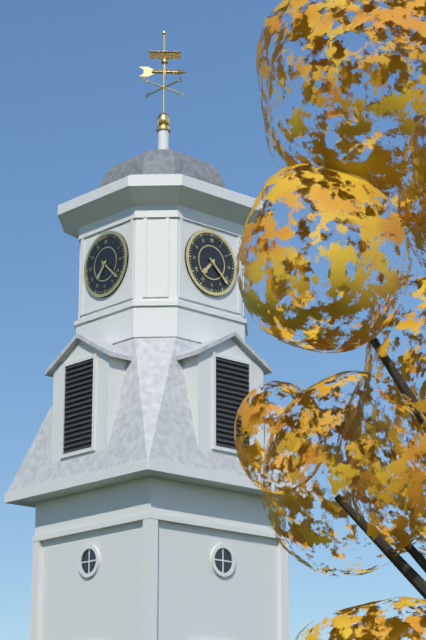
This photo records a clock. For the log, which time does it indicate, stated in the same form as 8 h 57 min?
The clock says 7 h 22 min
